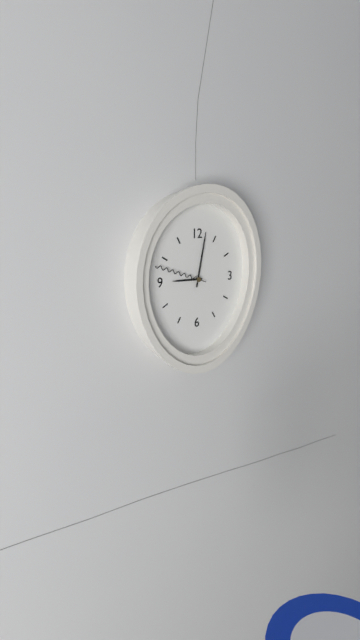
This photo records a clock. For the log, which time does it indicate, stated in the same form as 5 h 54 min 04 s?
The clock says 9 h 02 min 48 s
